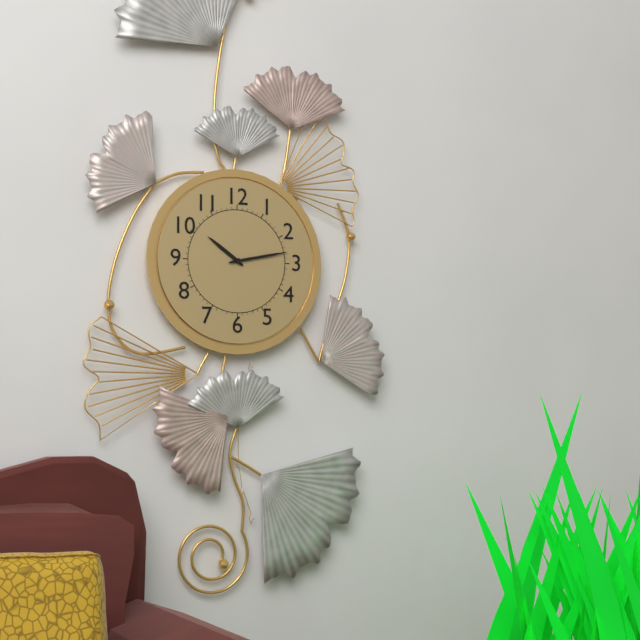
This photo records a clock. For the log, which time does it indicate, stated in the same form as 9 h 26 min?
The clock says 10 h 13 min
